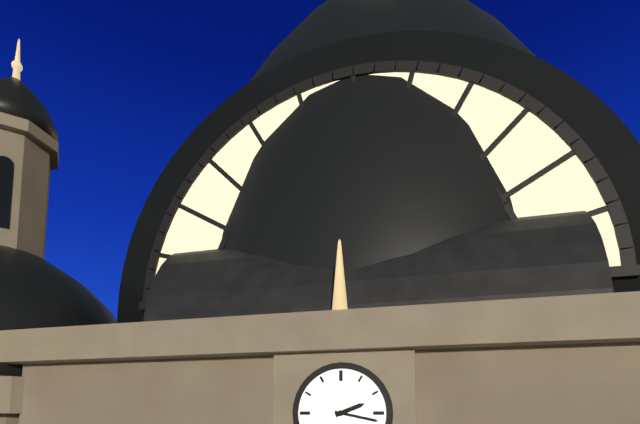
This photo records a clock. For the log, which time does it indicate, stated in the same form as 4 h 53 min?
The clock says 2 h 17 min
